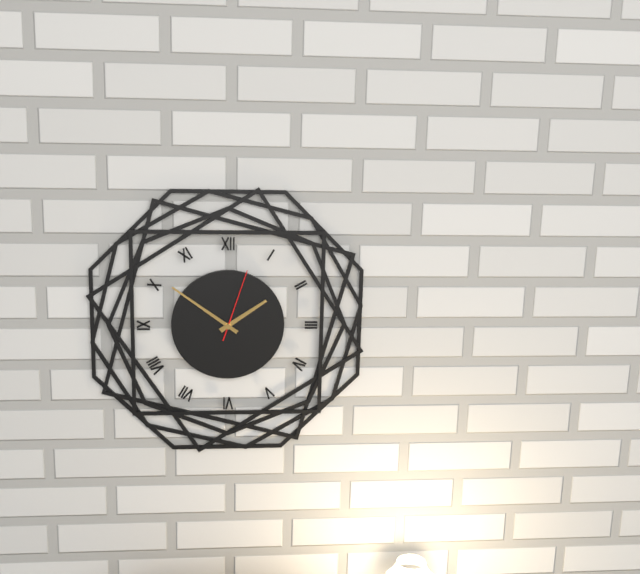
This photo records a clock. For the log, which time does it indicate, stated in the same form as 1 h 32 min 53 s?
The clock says 1 h 51 min 03 s
